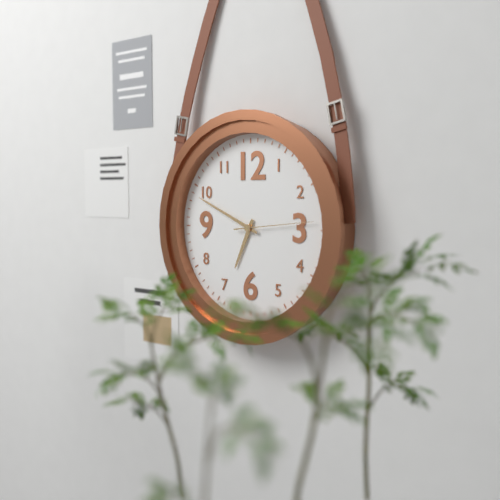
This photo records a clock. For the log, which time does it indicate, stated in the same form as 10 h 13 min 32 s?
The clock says 6 h 49 min 14 s
